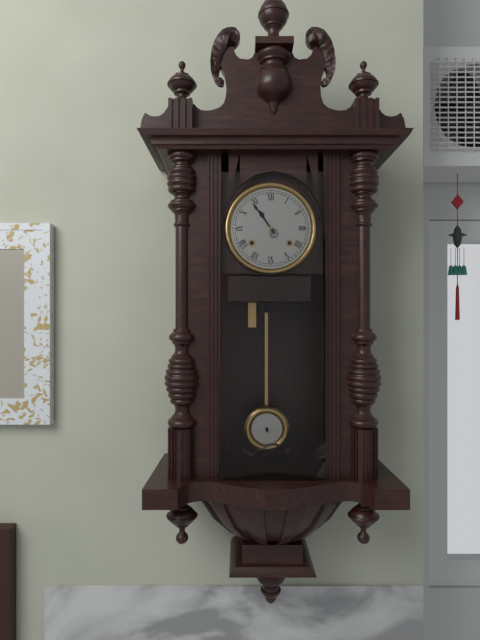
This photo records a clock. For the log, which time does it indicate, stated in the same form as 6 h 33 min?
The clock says 10 h 54 min
